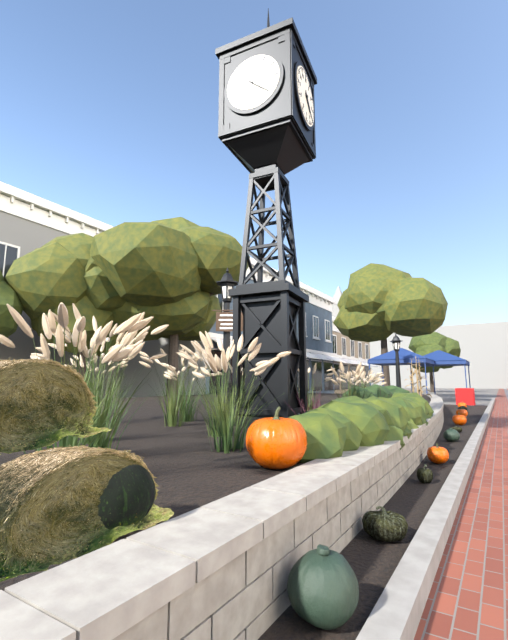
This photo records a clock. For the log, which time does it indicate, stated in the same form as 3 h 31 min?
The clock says 4 h 22 min
